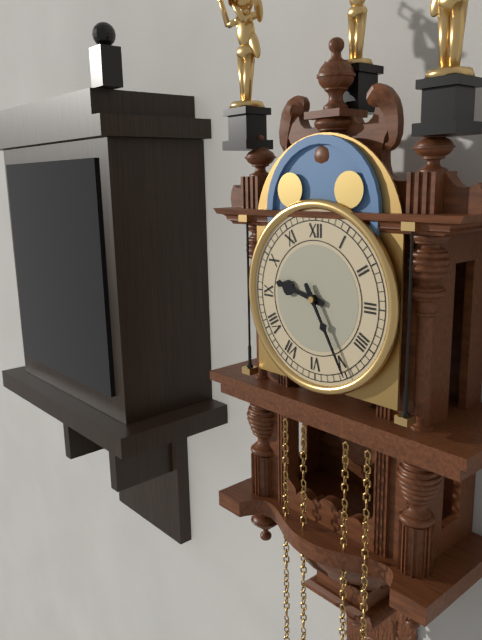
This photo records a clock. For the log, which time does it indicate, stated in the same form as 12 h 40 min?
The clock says 9 h 25 min
